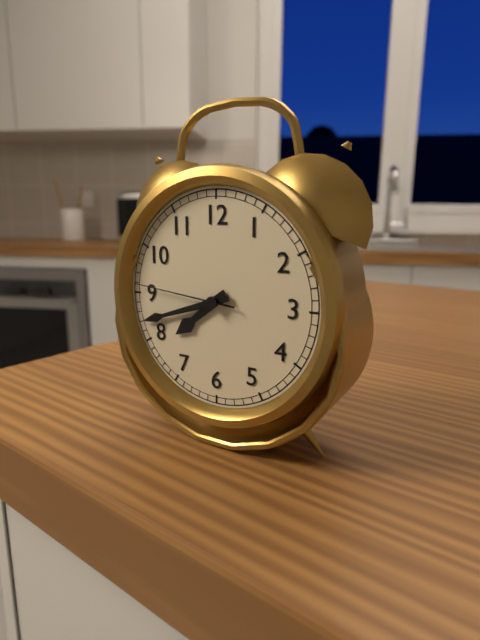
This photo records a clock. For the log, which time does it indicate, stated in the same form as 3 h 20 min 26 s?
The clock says 7 h 42 min 46 s
